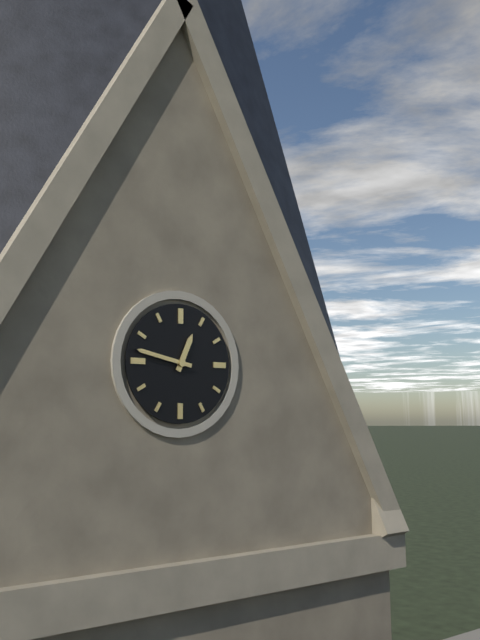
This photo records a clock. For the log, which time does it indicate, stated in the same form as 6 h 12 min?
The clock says 12 h 47 min
